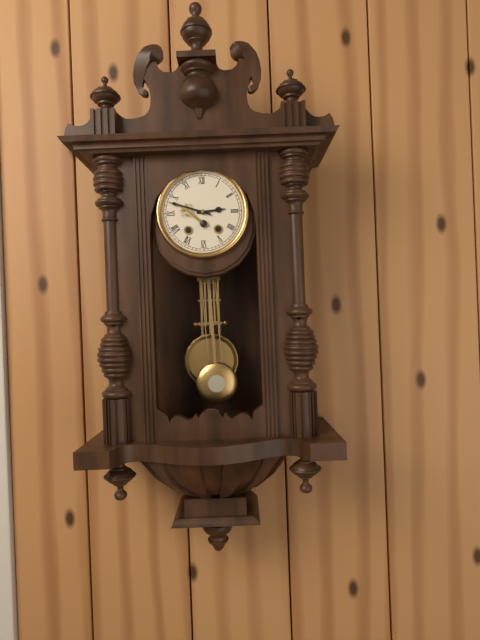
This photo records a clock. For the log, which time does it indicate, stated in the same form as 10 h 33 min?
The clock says 2 h 48 min
